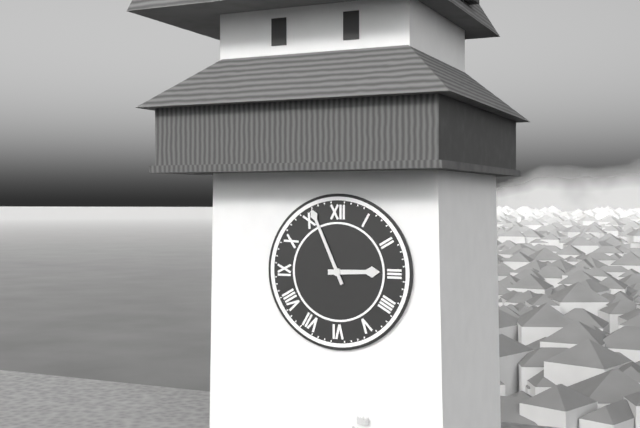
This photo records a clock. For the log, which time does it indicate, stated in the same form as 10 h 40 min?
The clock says 2 h 56 min
